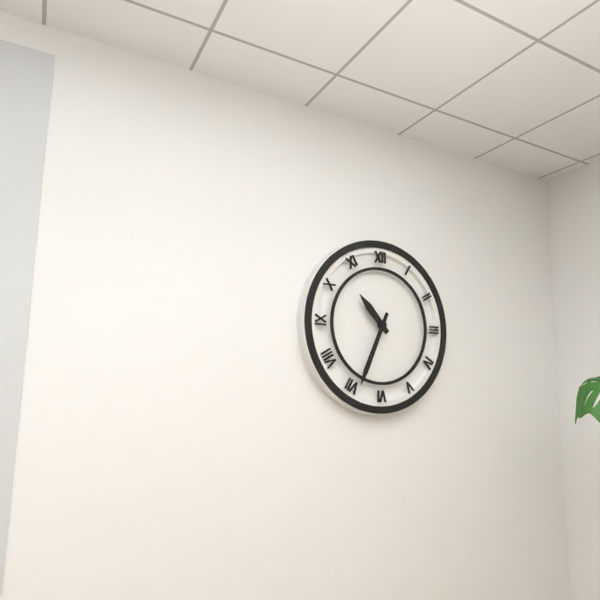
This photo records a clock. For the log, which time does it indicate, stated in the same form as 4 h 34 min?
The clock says 10 h 34 min
